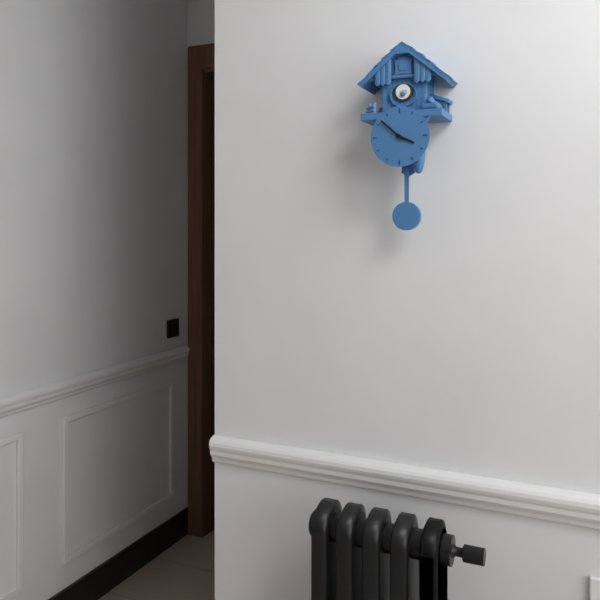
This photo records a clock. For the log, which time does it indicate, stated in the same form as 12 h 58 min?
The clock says 3 h 52 min
